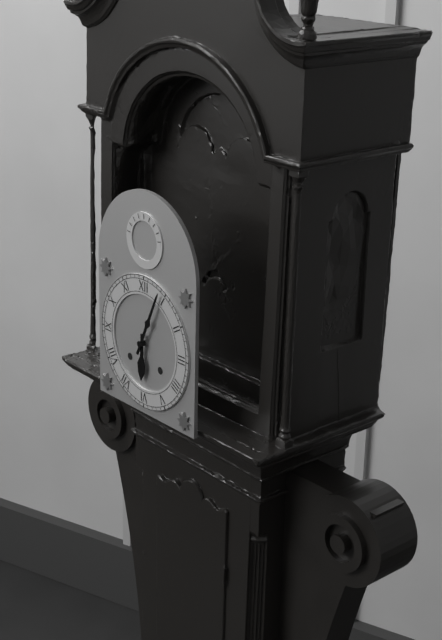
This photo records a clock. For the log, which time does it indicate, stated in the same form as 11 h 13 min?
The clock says 6 h 04 min
